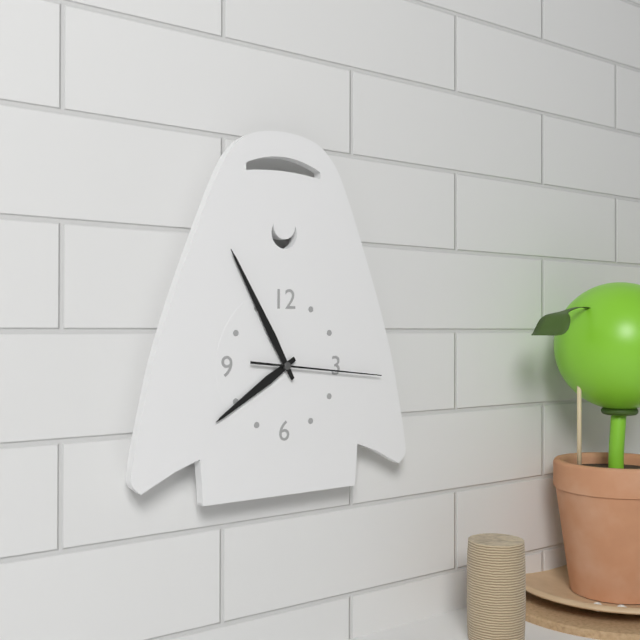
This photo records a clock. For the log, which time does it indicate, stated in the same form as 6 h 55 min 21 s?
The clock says 7 h 55 min 16 s
